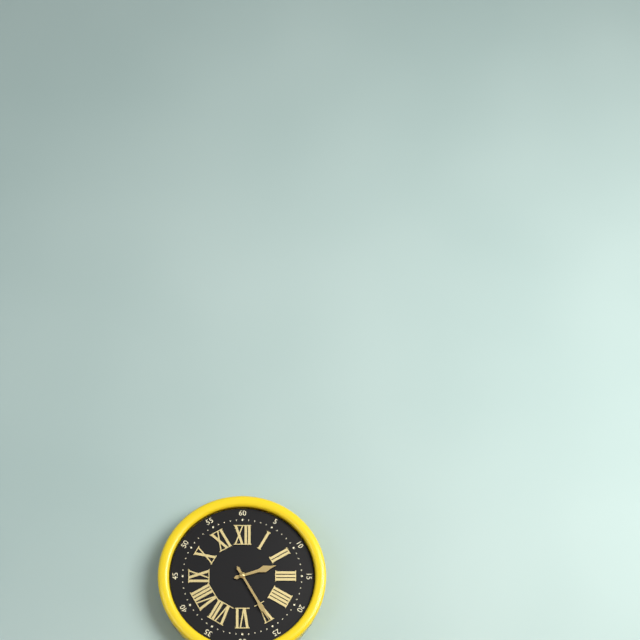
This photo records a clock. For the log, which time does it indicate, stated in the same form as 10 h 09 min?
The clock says 2 h 25 min
